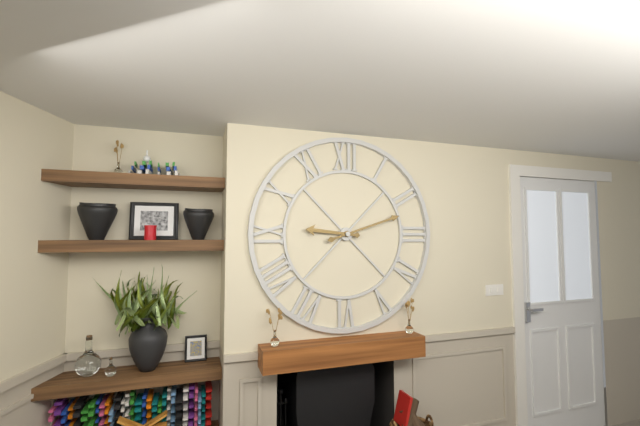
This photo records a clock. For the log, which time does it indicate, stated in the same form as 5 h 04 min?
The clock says 9 h 12 min
